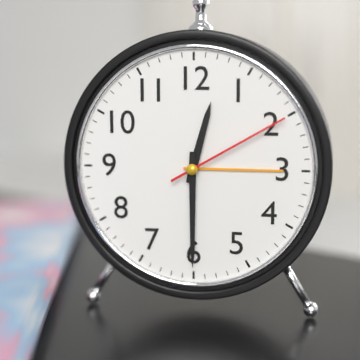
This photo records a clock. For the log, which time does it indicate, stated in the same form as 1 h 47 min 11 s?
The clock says 12 h 30 min 10 s
